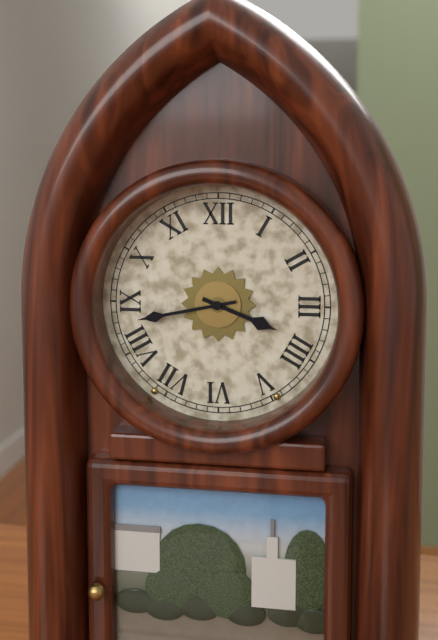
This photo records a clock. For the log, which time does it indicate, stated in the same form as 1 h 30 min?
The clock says 3 h 43 min
